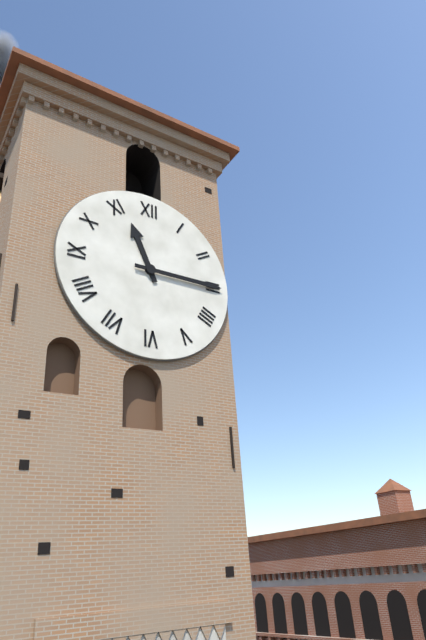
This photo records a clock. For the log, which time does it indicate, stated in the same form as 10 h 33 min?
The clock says 11 h 15 min
